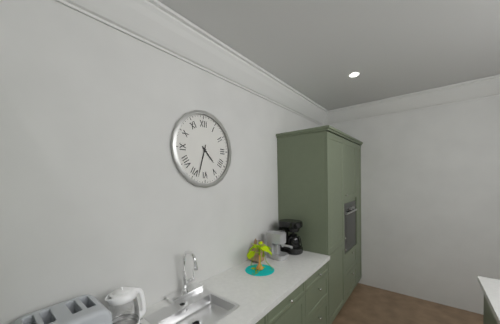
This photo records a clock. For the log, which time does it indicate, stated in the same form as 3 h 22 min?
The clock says 4 h 33 min
